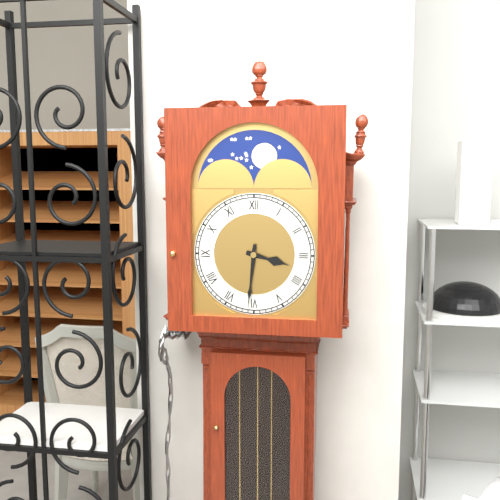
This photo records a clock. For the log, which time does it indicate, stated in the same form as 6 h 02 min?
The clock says 3 h 31 min
